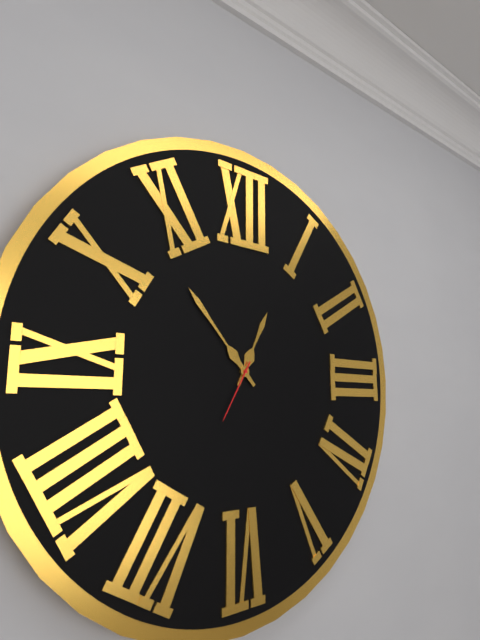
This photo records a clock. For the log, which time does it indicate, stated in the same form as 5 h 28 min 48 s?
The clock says 12 h 53 min 35 s
